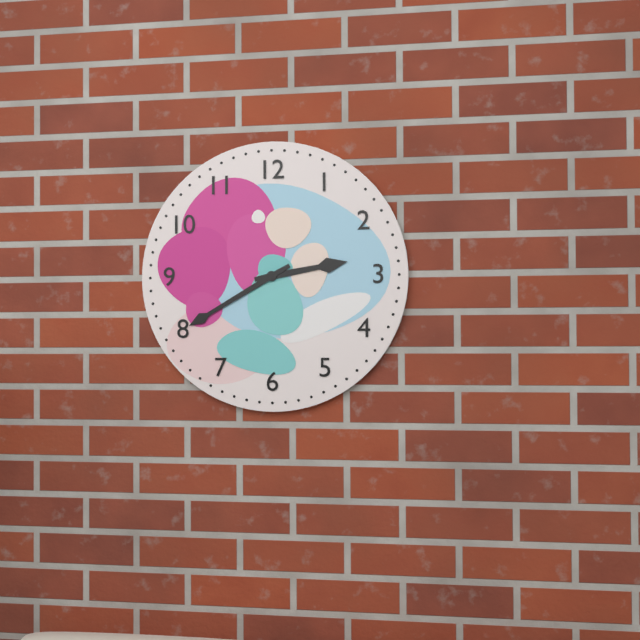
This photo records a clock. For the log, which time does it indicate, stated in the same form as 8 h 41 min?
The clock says 2 h 40 min
